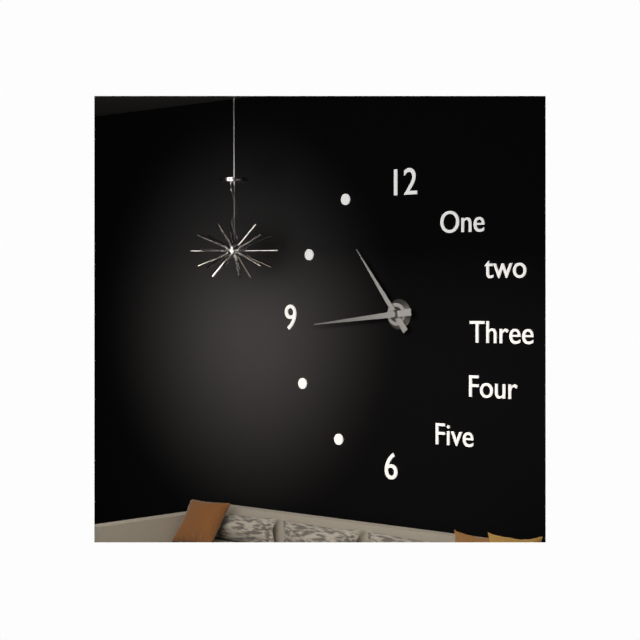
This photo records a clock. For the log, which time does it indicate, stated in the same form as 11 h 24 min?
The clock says 10 h 44 min
